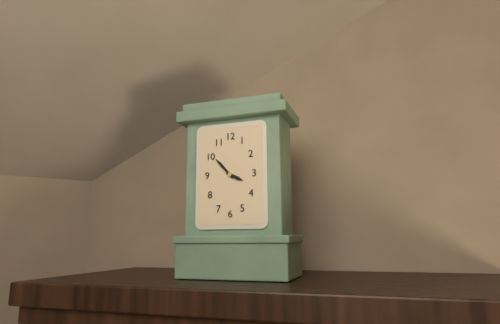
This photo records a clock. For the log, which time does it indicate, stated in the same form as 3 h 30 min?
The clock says 3 h 53 min
